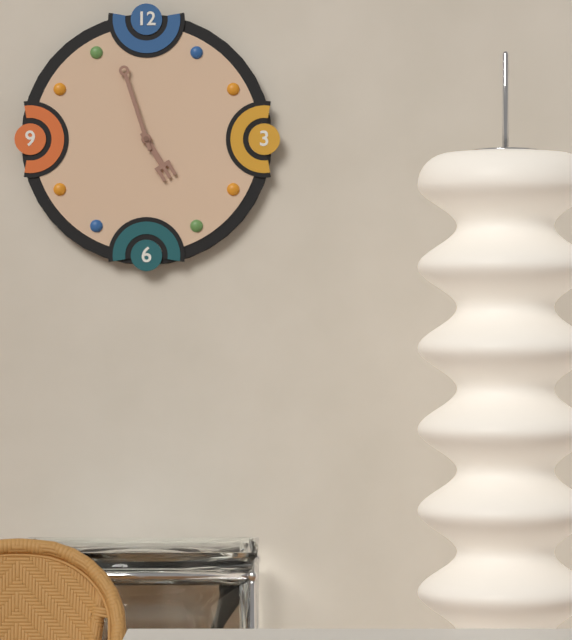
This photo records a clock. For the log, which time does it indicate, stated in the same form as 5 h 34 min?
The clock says 4 h 57 min
